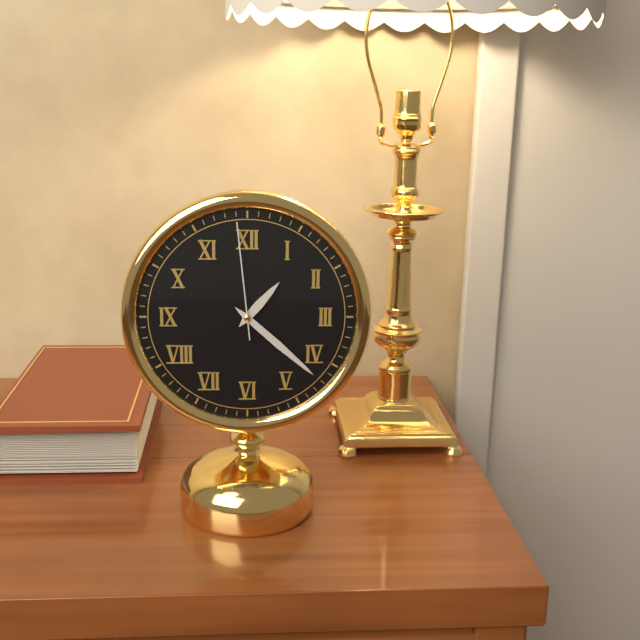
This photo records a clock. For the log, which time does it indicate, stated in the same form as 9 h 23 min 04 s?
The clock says 1 h 22 min 59 s
